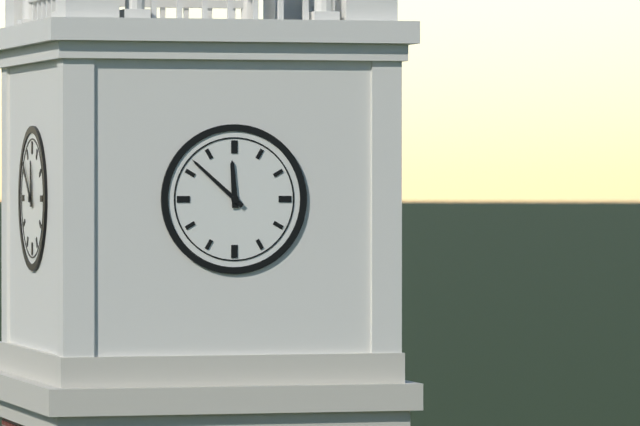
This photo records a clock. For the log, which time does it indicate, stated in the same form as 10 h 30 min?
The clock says 11 h 52 min
